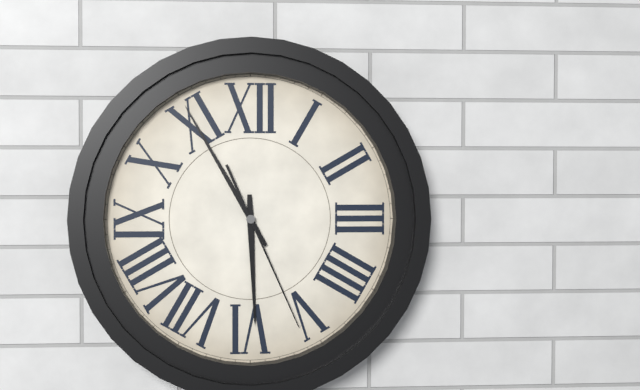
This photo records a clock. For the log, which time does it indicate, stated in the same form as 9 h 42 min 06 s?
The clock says 5 h 55 min 26 s
